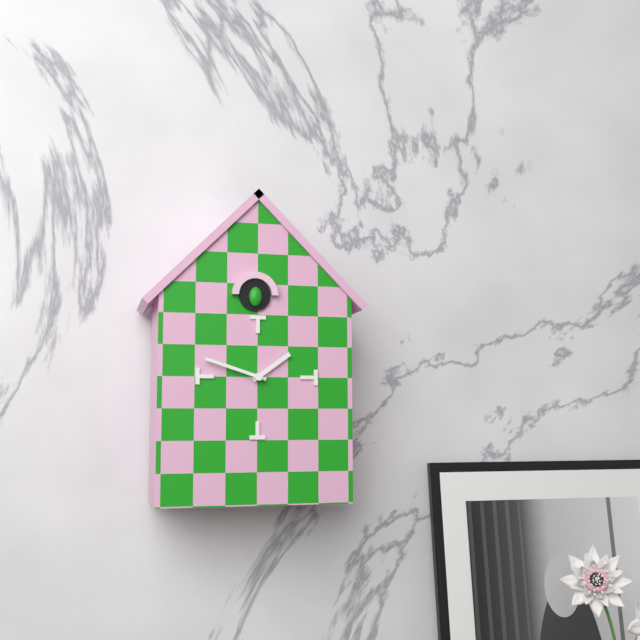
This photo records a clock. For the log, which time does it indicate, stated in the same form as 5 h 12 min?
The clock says 1 h 48 min
